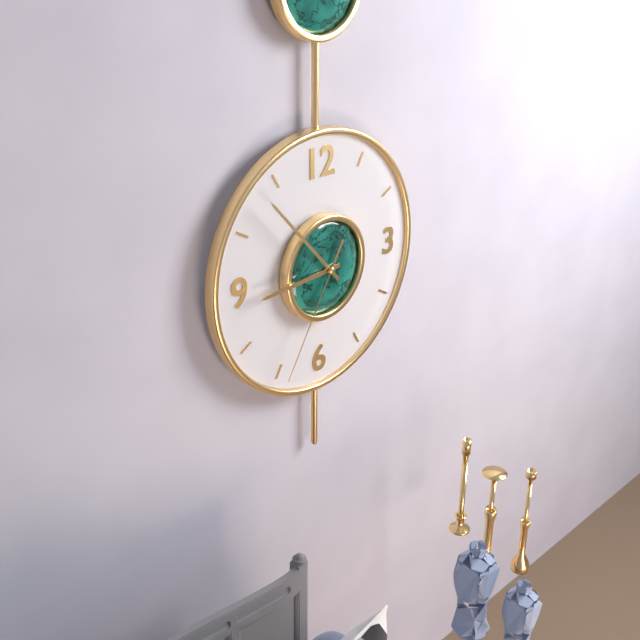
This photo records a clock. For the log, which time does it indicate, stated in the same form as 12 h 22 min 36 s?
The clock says 8 h 53 min 35 s
